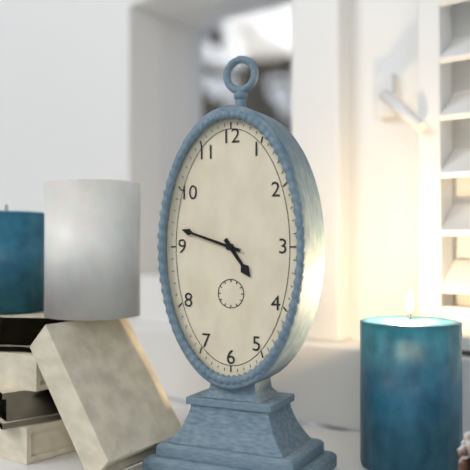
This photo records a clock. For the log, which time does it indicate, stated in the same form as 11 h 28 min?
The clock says 4 h 48 min
